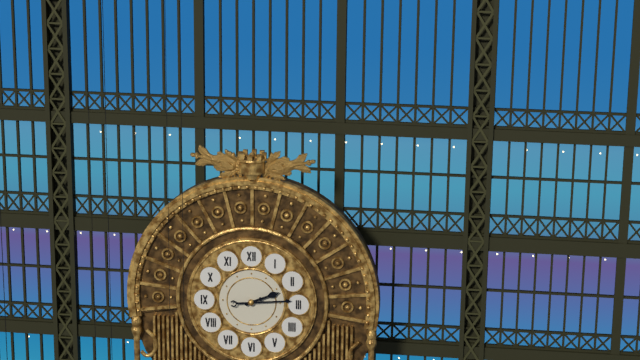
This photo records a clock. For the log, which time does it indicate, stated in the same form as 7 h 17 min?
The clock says 2 h 14 min
